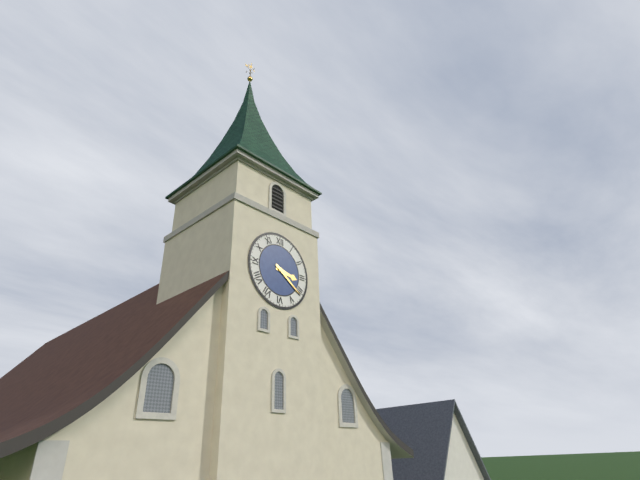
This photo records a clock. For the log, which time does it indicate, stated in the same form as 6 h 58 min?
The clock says 3 h 21 min
